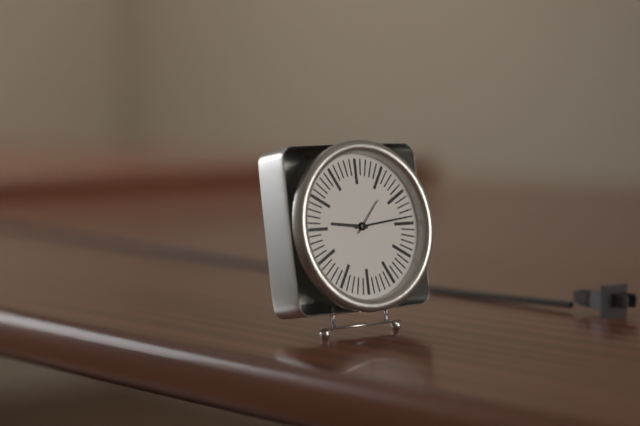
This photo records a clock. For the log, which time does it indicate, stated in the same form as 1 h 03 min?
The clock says 9 h 14 min
